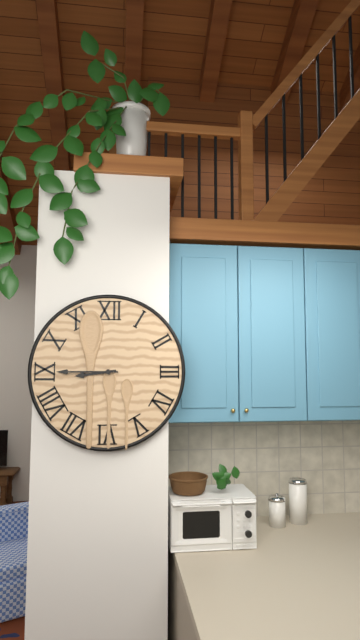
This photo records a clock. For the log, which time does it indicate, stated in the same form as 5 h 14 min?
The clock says 8 h 45 min
